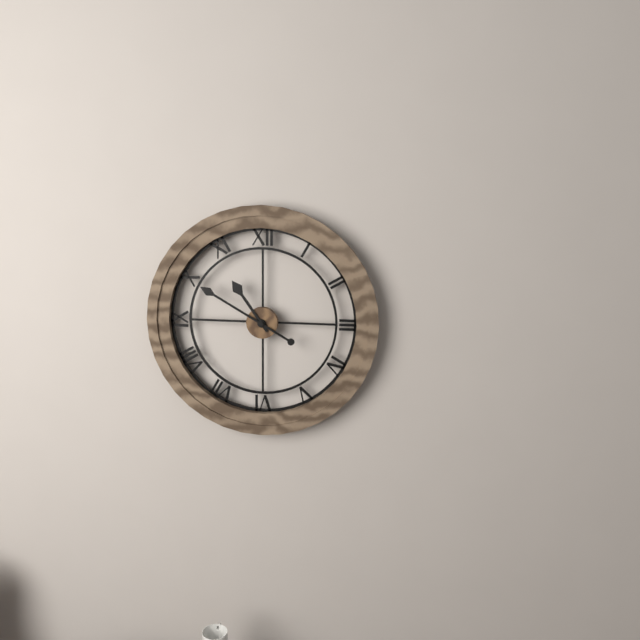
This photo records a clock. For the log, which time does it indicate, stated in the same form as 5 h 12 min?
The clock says 10 h 50 min
